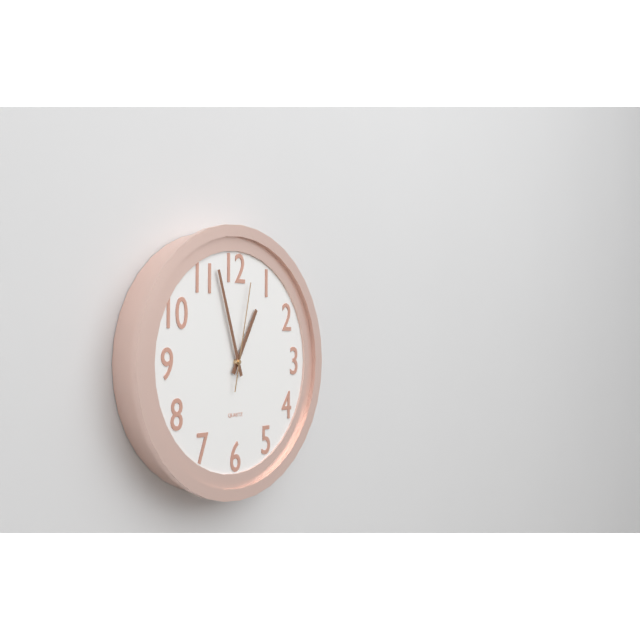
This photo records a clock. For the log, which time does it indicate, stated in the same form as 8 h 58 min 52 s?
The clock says 12 h 57 min 02 s
